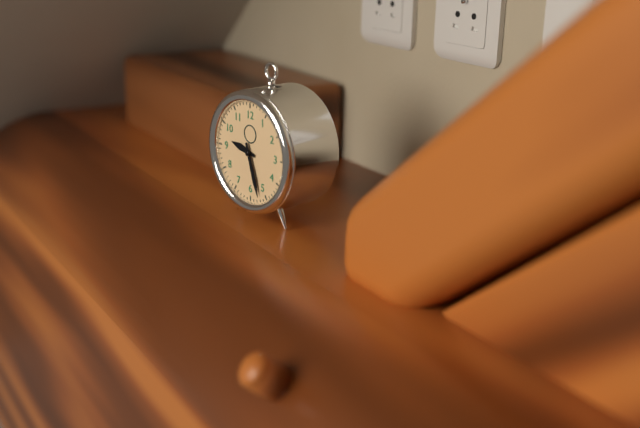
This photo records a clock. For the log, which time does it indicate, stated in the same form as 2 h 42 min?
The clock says 9 h 27 min
